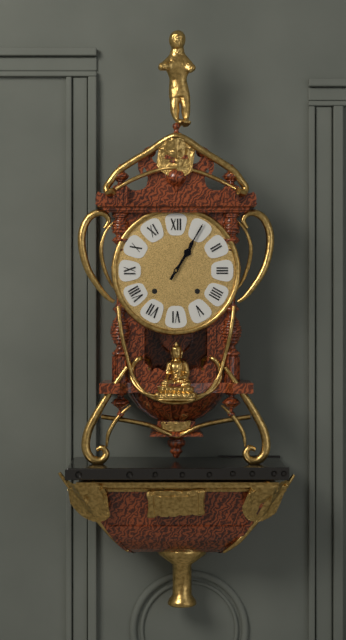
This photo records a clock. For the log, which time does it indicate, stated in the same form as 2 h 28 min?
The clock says 1 h 05 min
